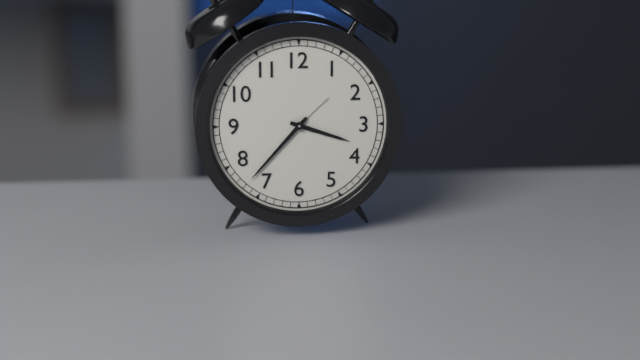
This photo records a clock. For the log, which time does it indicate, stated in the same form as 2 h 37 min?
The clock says 3 h 37 min
